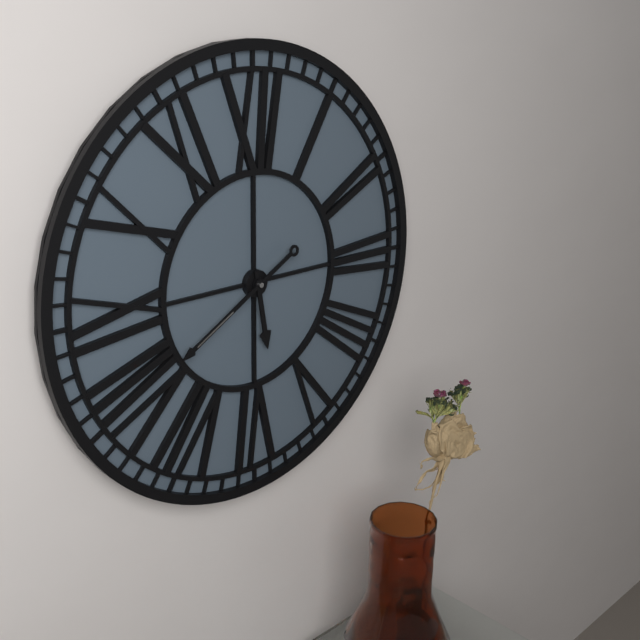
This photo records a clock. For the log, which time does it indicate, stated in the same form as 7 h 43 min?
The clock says 5 h 40 min
